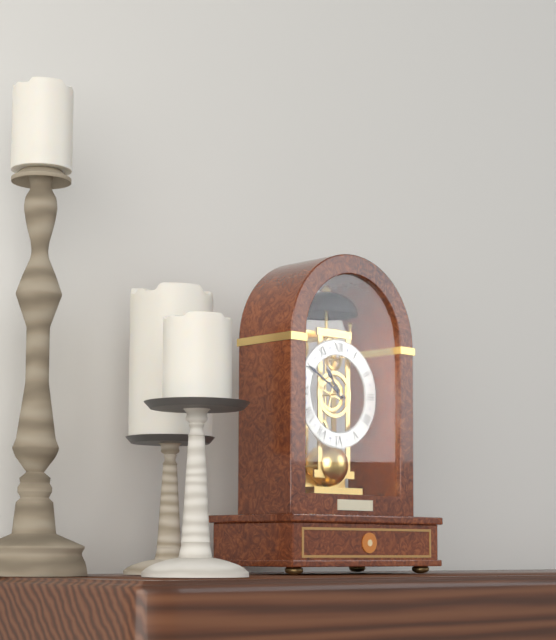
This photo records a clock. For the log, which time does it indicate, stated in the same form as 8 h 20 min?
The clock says 10 h 50 min
